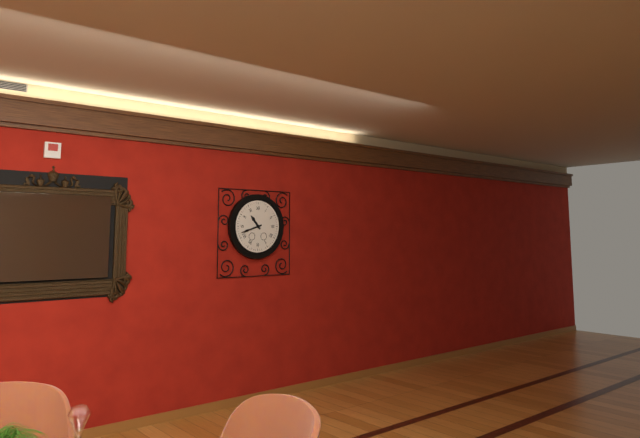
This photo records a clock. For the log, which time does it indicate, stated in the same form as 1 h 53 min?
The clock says 10 h 42 min
